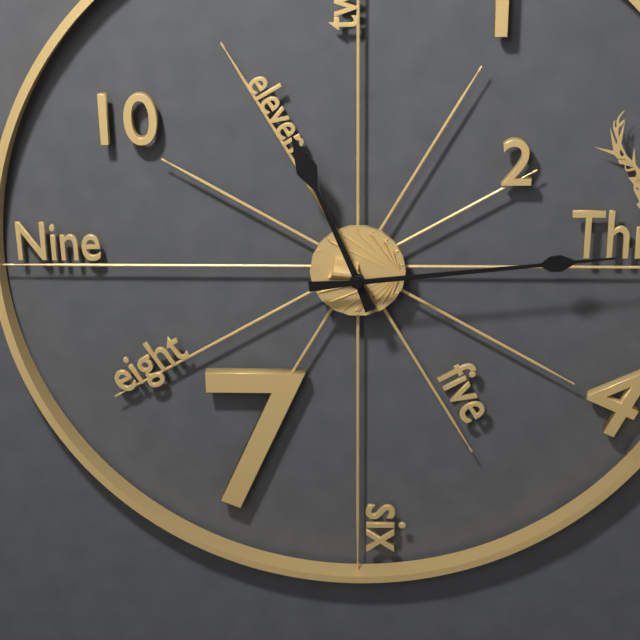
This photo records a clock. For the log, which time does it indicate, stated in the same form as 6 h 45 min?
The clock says 11 h 14 min
